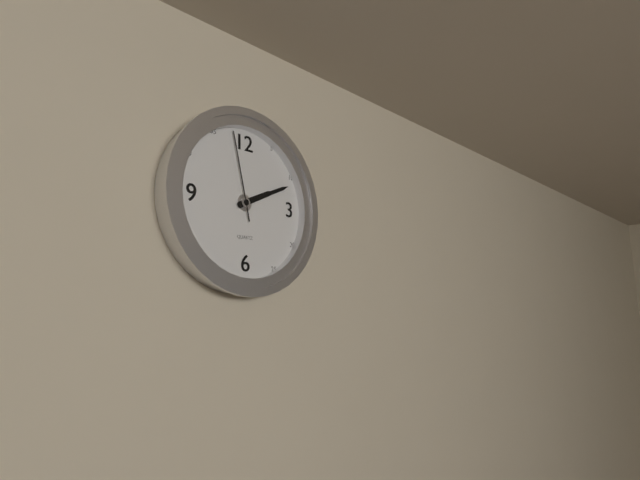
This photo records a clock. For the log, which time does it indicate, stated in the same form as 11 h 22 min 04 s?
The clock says 2 h 11 min 58 s
